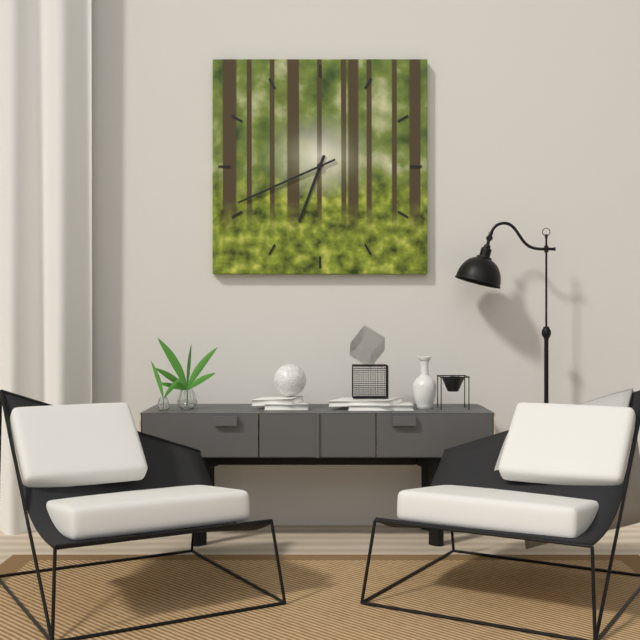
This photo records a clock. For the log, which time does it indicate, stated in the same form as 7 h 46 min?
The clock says 6 h 41 min
